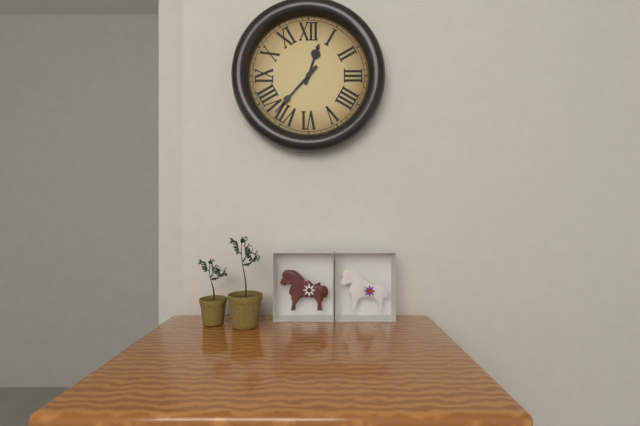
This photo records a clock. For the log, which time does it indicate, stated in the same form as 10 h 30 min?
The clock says 12 h 37 min
